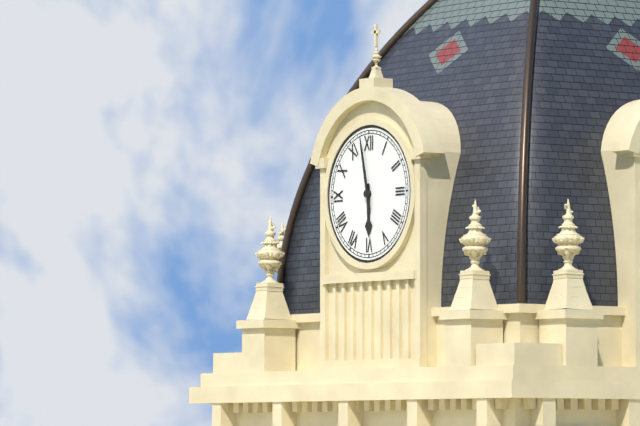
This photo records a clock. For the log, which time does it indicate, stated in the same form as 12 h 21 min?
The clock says 5 h 58 min
